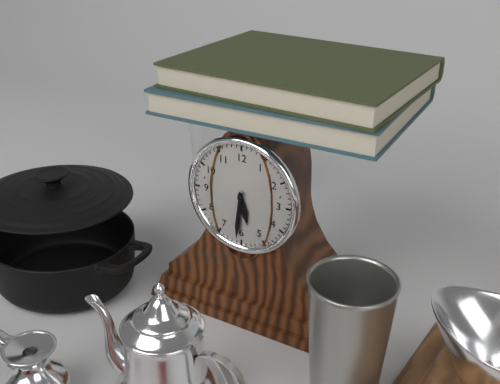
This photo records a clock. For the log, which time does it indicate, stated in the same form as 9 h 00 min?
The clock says 5 h 31 min
